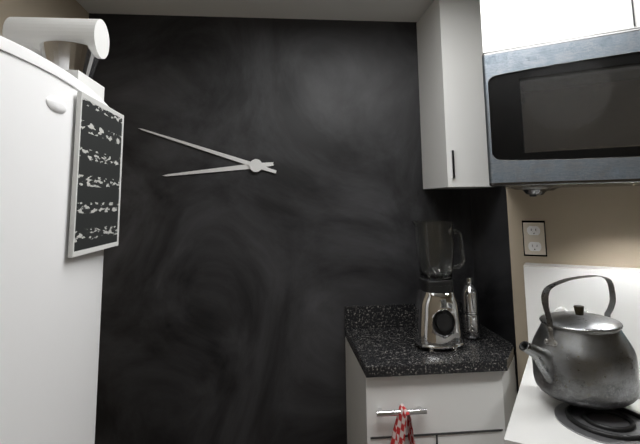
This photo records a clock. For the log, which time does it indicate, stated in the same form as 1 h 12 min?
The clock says 8 h 48 min
